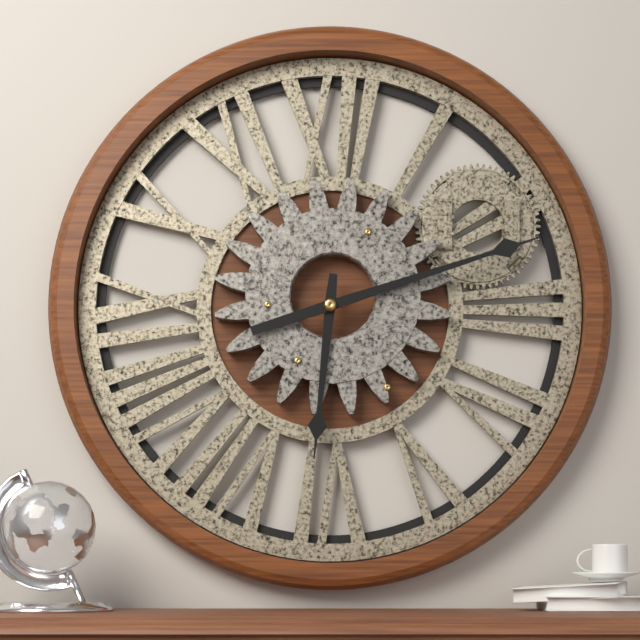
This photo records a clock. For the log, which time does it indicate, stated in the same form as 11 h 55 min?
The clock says 6 h 12 min
